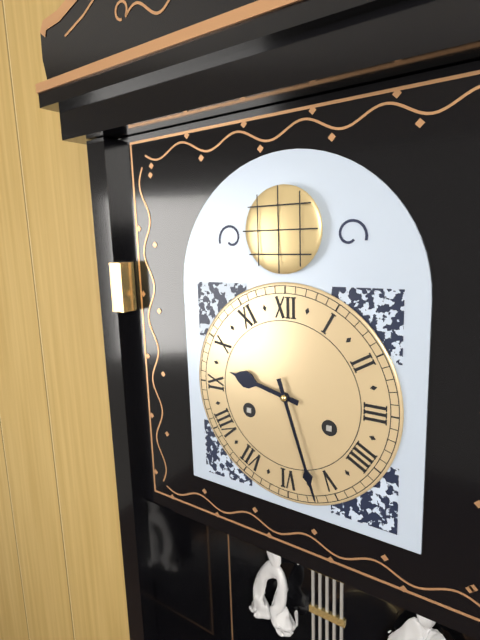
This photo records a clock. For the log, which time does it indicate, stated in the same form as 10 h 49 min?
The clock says 9 h 27 min
